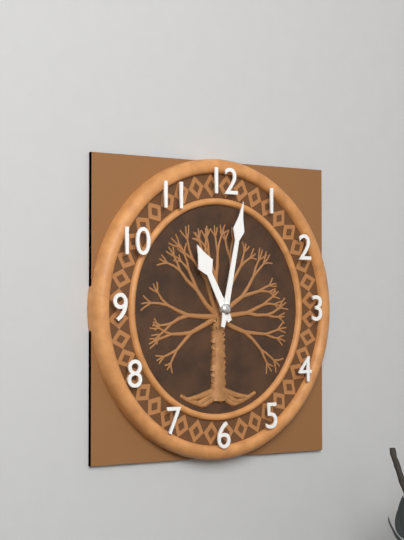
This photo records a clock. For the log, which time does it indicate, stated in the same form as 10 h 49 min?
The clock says 11 h 02 min
